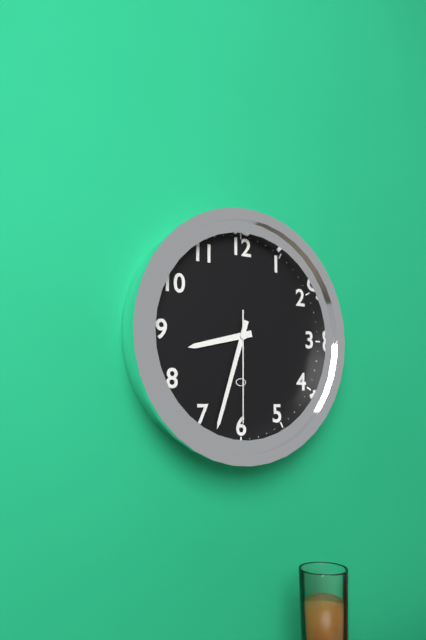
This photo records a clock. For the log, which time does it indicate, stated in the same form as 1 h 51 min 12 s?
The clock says 8 h 33 min 30 s
